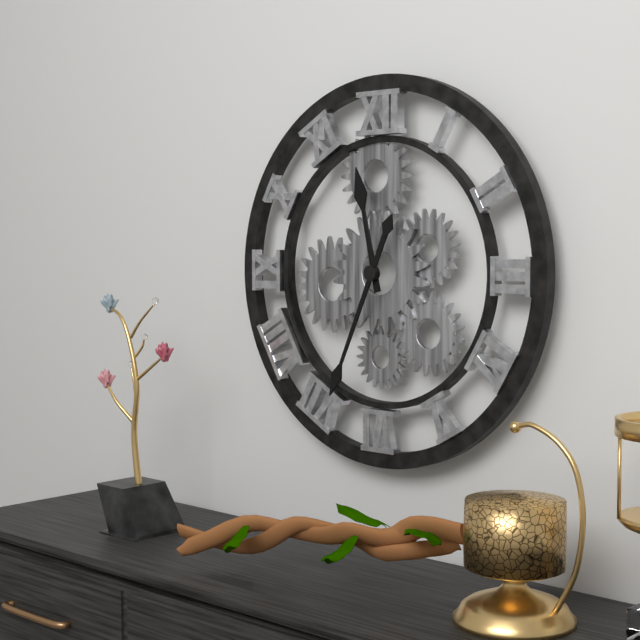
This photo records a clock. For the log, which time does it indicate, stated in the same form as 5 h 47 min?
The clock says 11 h 34 min
